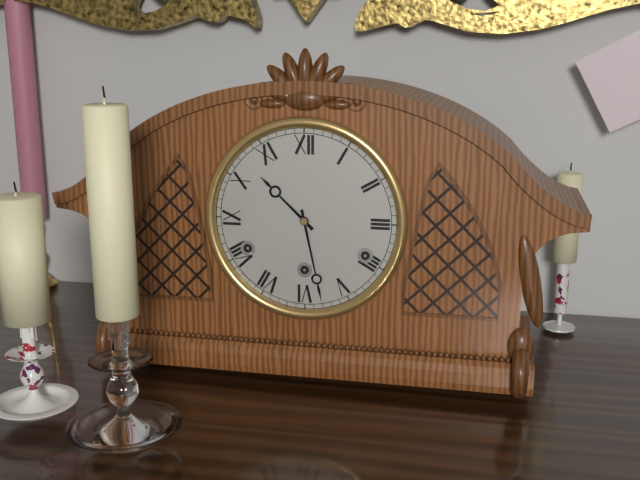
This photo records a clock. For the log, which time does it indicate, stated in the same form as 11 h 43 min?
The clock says 10 h 28 min
